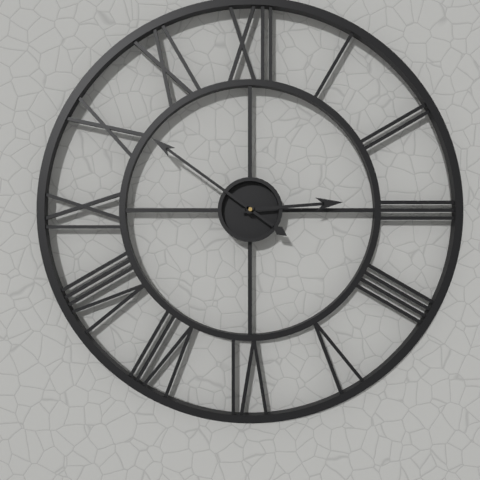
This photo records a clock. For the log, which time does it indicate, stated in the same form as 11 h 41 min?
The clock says 2 h 51 min
